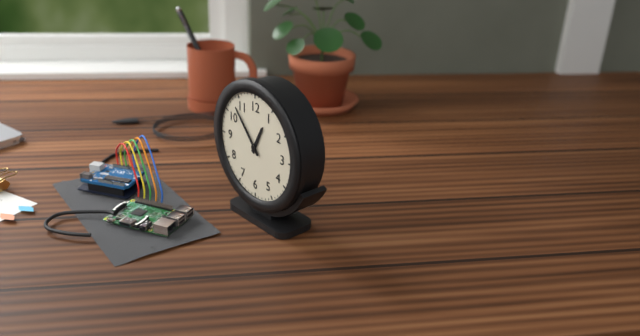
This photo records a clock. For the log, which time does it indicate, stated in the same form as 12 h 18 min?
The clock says 12 h 53 min
